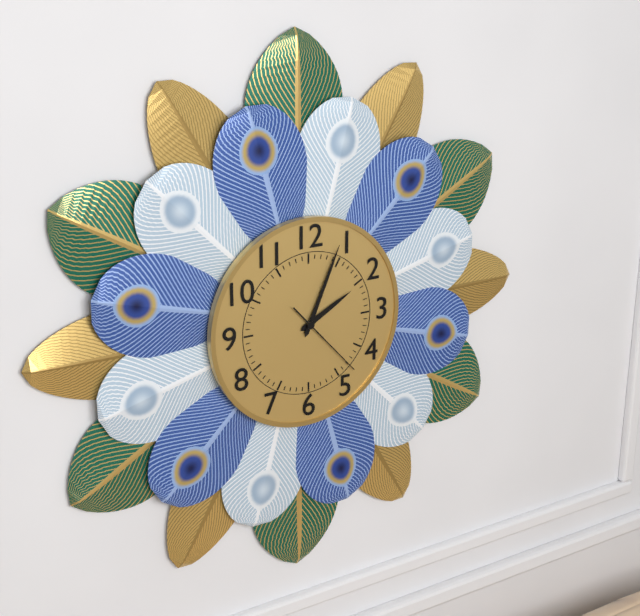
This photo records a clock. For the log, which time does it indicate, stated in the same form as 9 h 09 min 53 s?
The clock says 2 h 04 min 23 s
